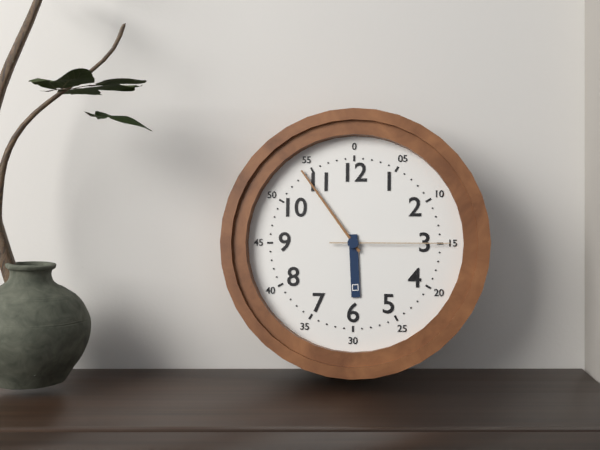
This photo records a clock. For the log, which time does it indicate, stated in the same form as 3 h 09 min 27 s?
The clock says 5 h 54 min 15 s
